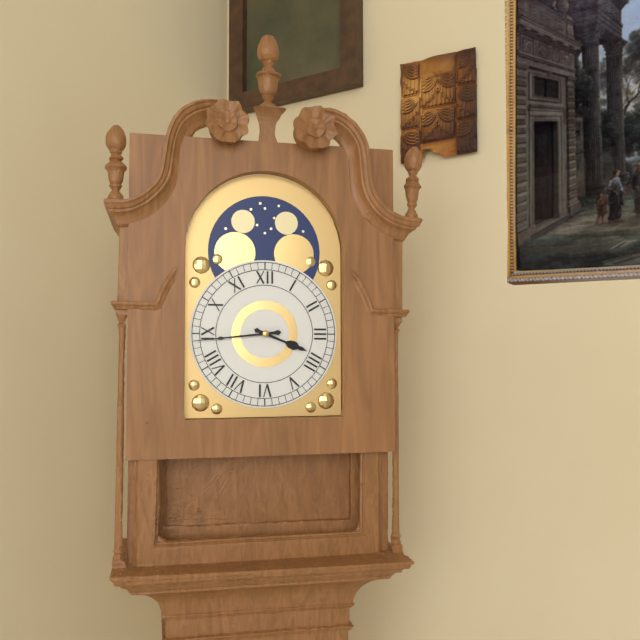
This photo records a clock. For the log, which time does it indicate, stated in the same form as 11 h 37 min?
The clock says 3 h 44 min
